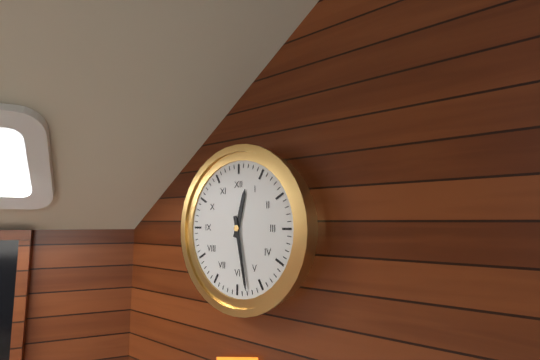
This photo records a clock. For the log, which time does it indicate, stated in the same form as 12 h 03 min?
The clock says 12 h 28 min
